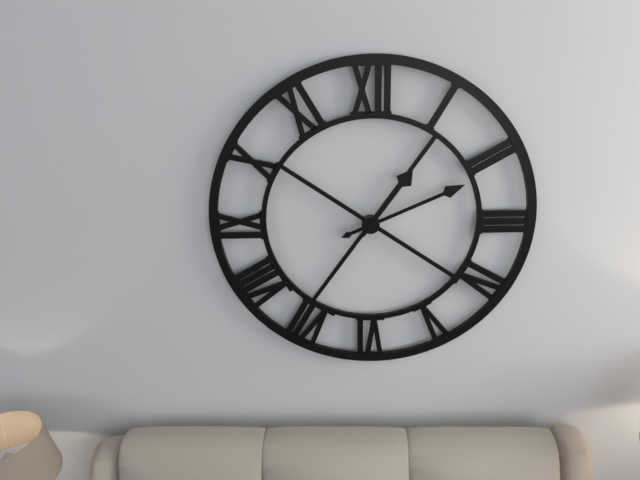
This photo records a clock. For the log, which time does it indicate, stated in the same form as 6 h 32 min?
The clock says 1 h 11 min
